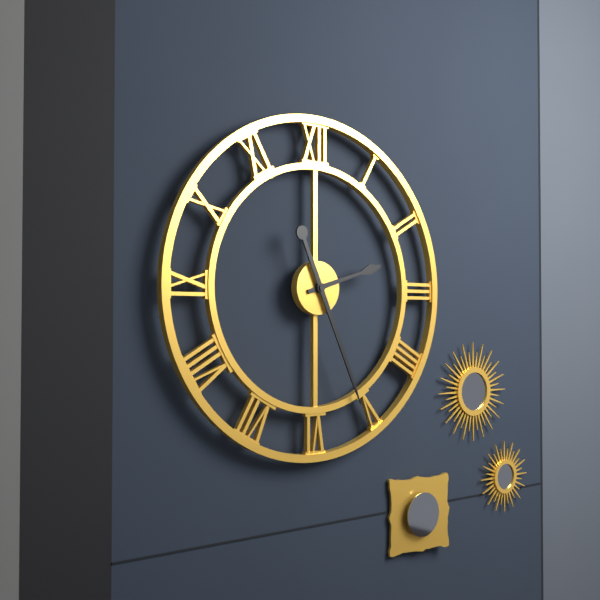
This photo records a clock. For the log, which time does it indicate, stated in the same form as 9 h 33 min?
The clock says 2 h 26 min
